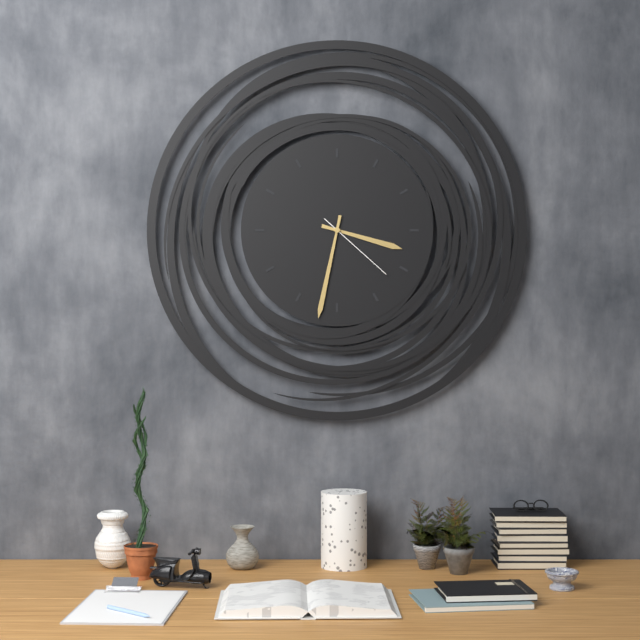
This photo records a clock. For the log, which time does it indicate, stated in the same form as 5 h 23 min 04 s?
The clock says 3 h 32 min 22 s
